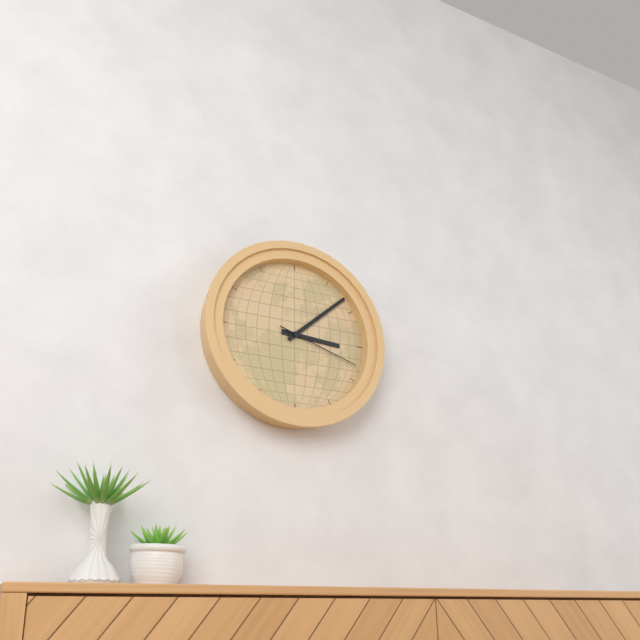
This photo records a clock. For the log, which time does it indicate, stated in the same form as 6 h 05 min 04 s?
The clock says 3 h 08 min 18 s
